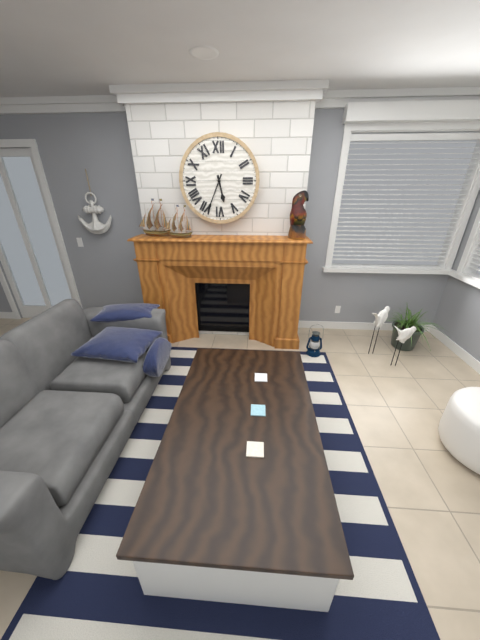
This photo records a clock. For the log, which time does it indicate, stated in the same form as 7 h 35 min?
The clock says 5 h 34 min
